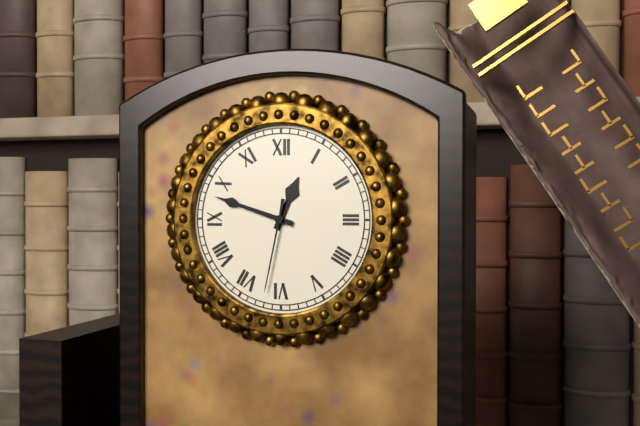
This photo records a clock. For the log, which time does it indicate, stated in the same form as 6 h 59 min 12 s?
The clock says 12 h 48 min 32 s
